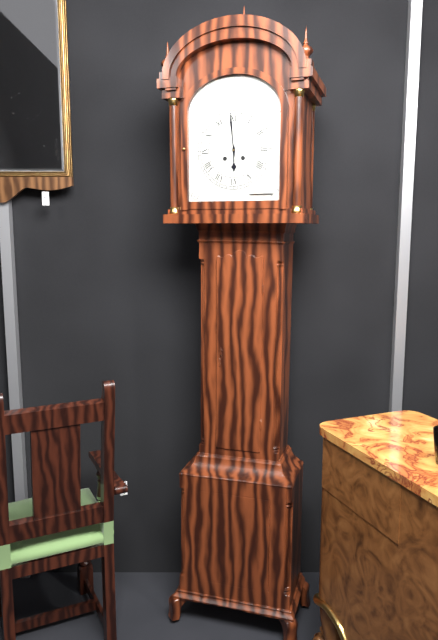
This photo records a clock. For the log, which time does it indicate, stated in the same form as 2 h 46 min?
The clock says 5 h 59 min
